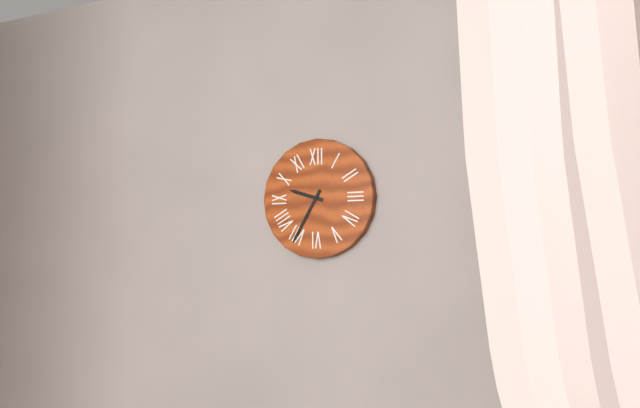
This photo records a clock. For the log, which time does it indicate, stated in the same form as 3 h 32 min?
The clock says 9 h 35 min
